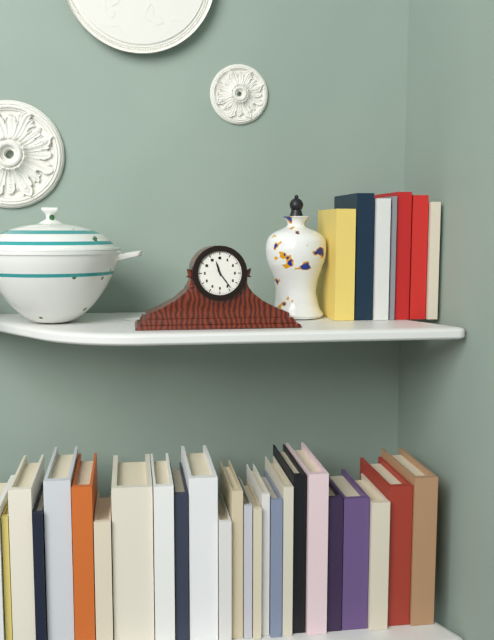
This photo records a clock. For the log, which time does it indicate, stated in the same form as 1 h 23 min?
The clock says 11 h 24 min
